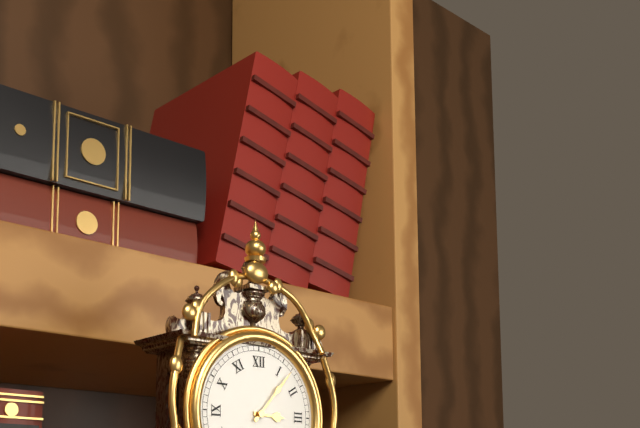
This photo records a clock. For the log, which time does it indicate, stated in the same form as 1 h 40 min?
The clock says 3 h 07 min
